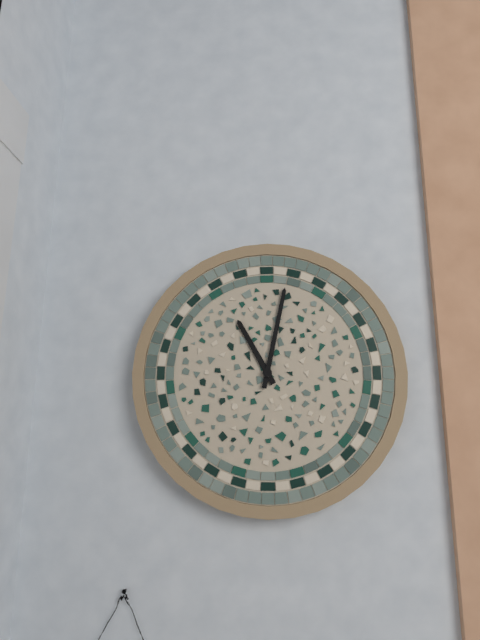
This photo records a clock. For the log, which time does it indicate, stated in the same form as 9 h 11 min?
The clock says 11 h 02 min
